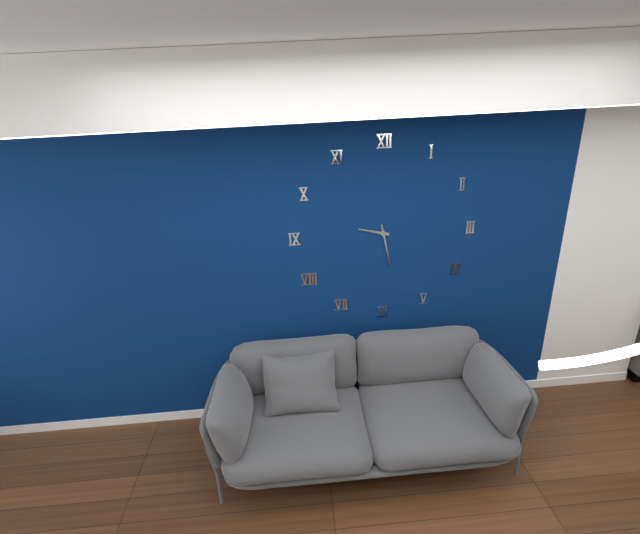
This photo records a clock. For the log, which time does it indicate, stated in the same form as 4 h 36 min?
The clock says 9 h 28 min
